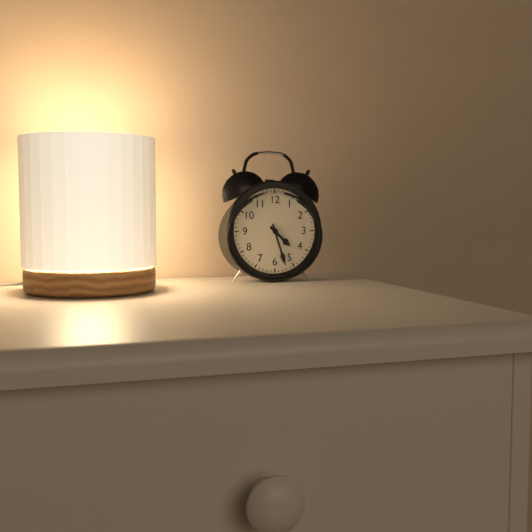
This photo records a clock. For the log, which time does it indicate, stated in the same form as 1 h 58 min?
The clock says 4 h 27 min
